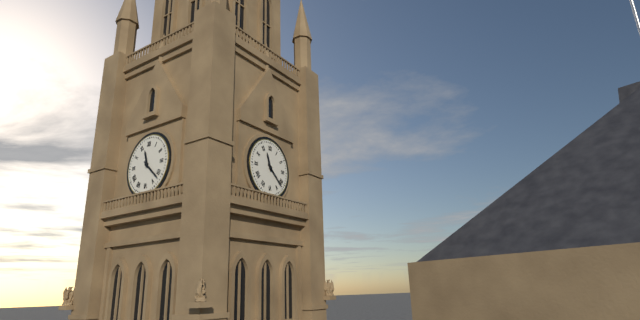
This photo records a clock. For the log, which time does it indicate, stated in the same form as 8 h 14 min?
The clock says 11 h 22 min
